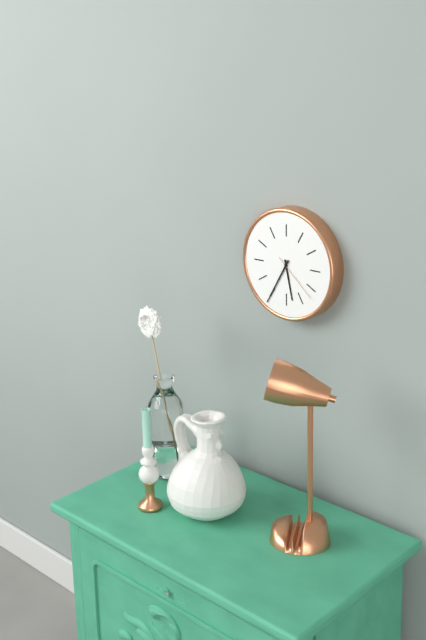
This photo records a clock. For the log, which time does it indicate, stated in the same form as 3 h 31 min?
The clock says 5 h 35 min
